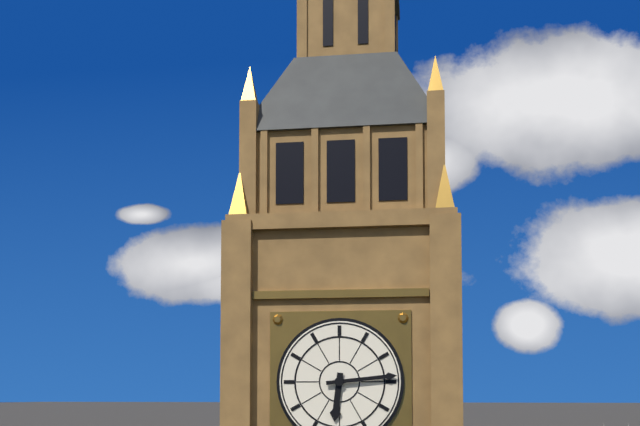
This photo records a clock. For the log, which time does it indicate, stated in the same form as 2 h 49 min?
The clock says 6 h 14 min
